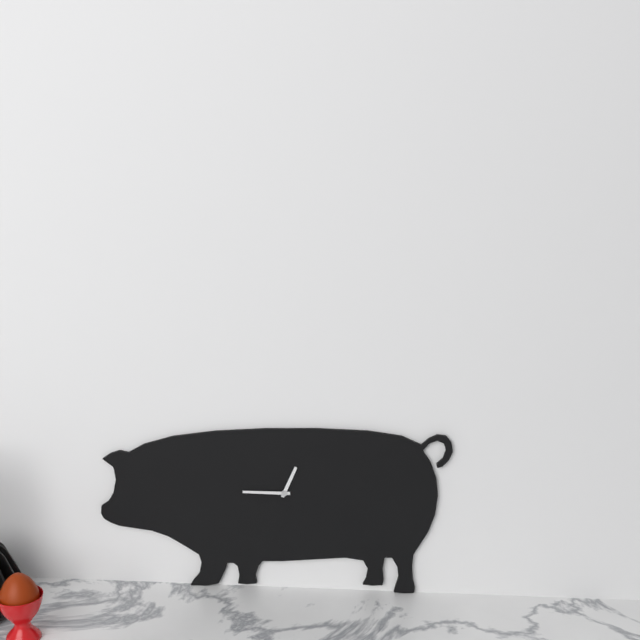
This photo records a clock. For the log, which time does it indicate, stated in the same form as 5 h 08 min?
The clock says 12 h 45 min
